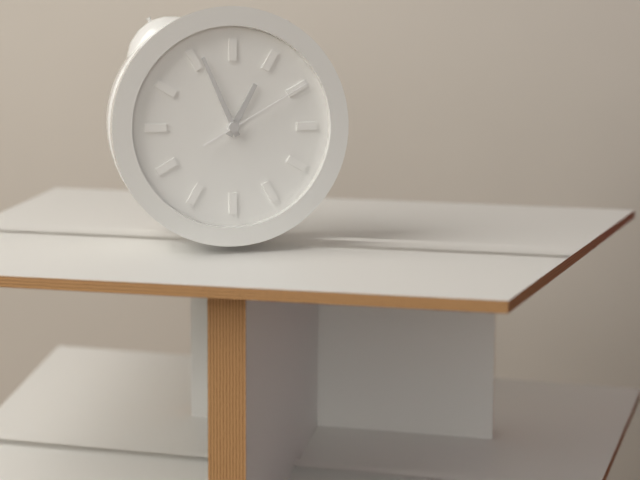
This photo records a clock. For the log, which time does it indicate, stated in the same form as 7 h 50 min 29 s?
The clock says 12 h 56 min 10 s
